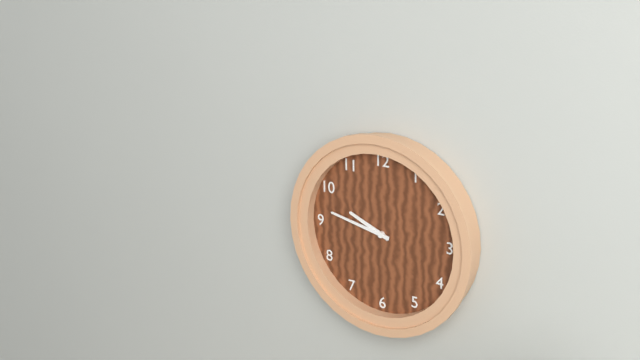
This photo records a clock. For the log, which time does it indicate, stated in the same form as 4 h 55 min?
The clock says 9 h 47 min
